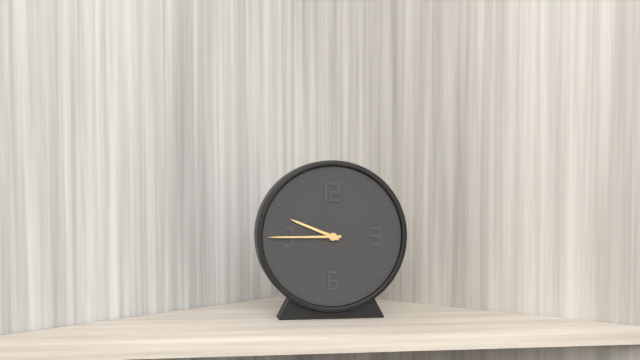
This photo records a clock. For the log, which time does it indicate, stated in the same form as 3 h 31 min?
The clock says 9 h 45 min
